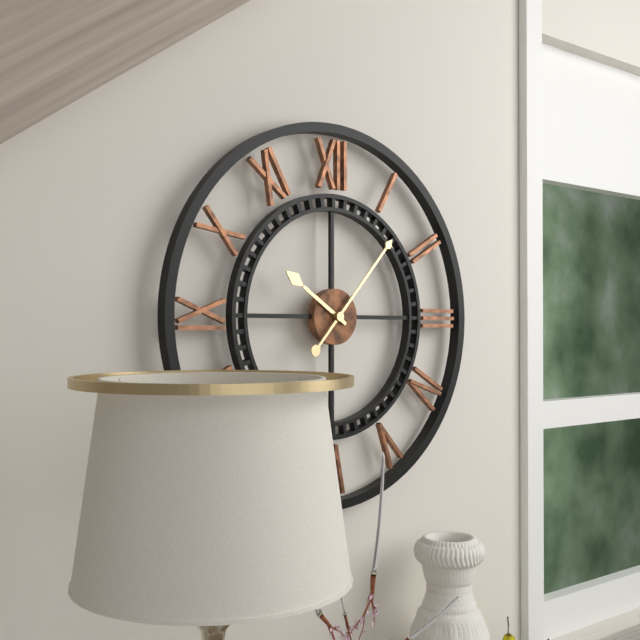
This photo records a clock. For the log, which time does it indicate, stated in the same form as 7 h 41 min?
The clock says 10 h 07 min
